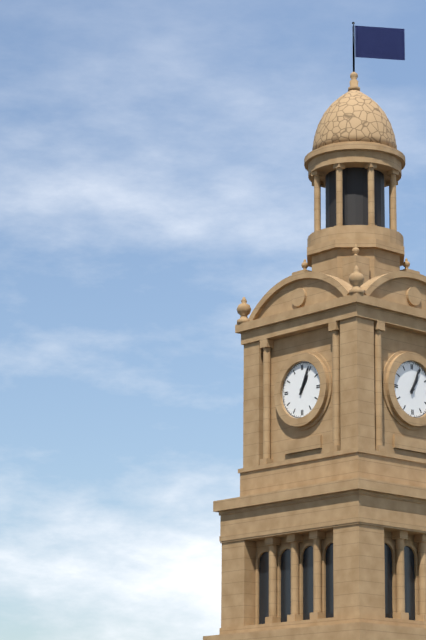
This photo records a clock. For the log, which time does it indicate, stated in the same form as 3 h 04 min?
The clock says 1 h 04 min
